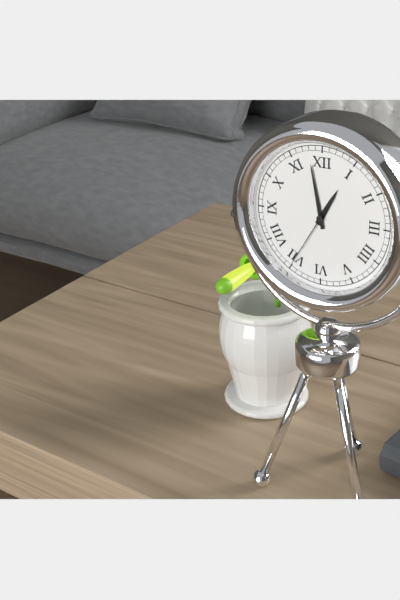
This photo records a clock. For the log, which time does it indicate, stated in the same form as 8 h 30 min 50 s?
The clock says 12 h 58 min 35 s
